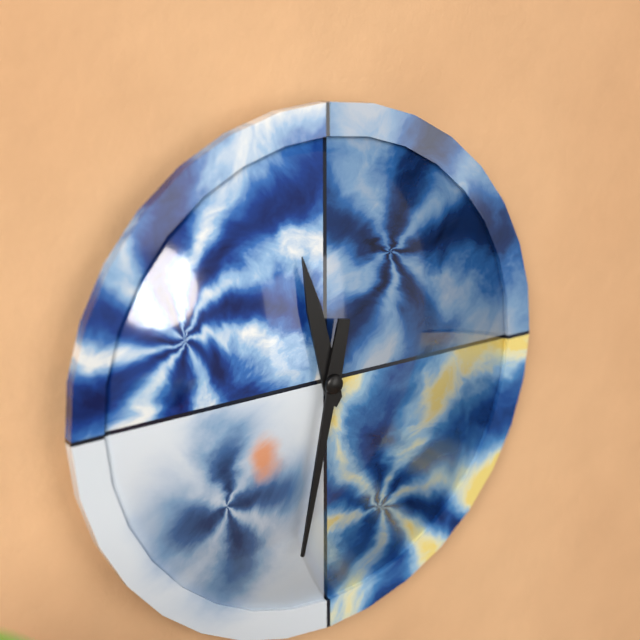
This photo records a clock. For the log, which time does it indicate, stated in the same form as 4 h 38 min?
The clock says 11 h 32 min
